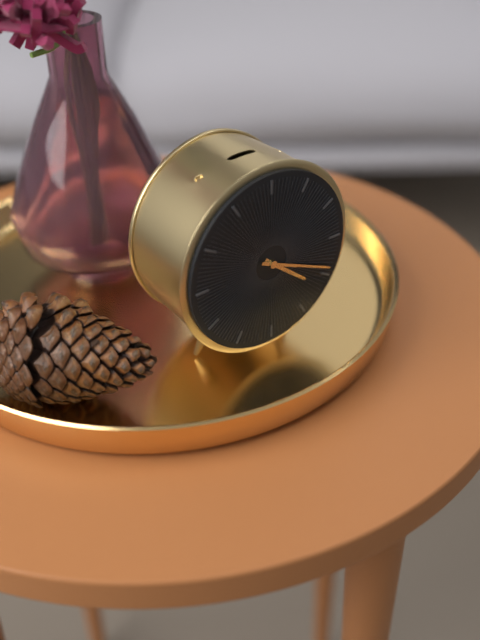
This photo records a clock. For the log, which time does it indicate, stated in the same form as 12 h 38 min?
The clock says 4 h 19 min
